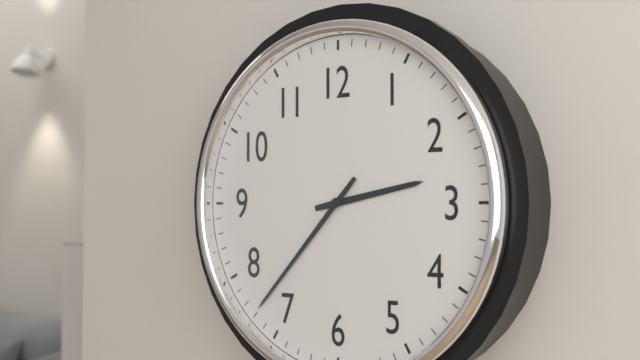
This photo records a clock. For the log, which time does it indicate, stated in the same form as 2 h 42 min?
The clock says 2 h 37 min
